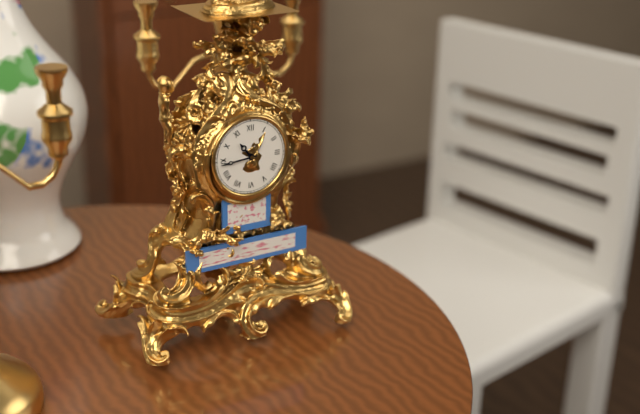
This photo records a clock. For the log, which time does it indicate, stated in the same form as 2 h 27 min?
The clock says 10 h 44 min
